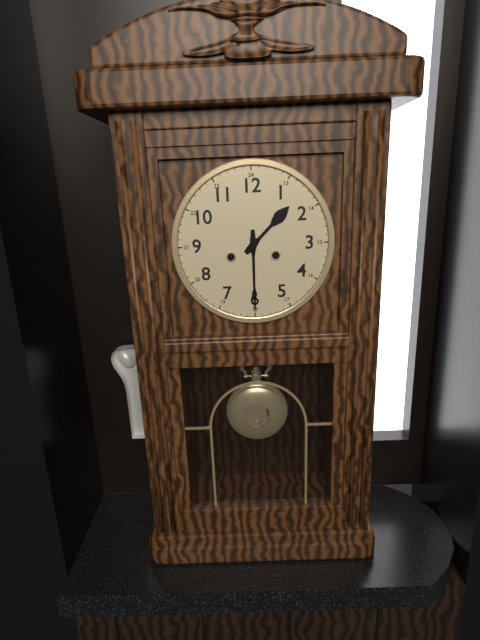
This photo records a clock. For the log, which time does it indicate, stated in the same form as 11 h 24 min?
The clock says 1 h 30 min
